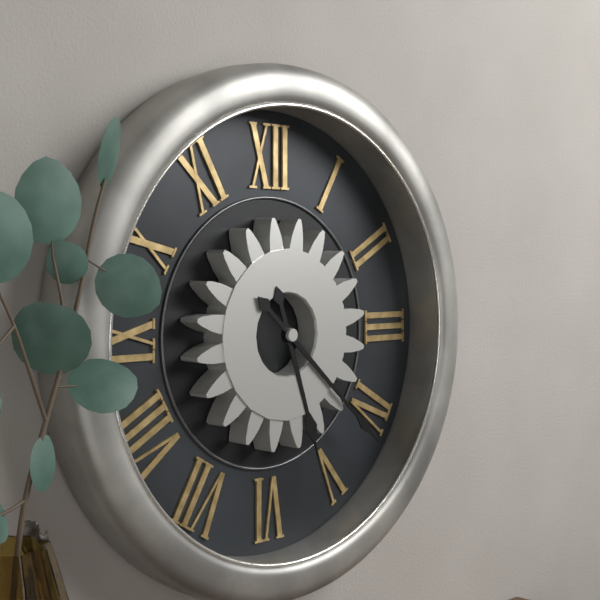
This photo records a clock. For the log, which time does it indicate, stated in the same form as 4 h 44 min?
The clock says 5 h 22 min
